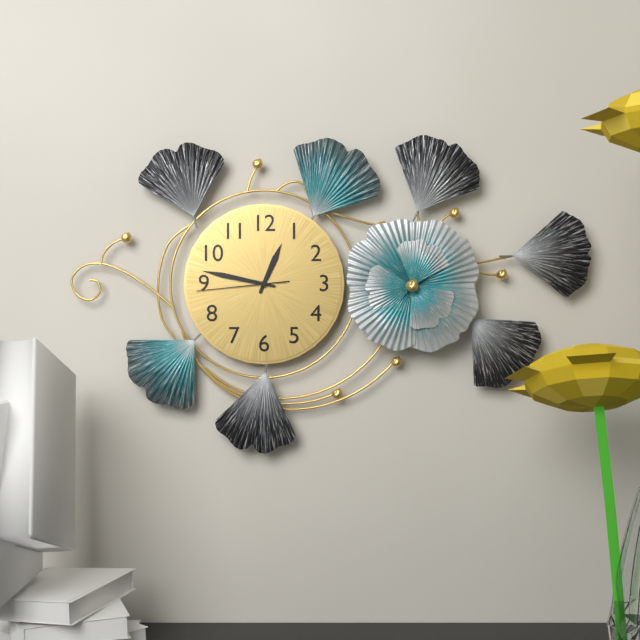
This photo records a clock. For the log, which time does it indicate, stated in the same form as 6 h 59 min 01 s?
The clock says 12 h 47 min 44 s
